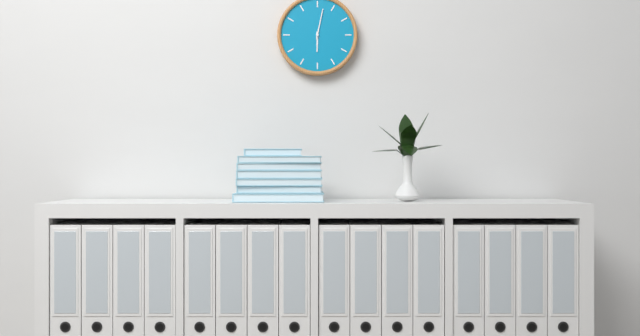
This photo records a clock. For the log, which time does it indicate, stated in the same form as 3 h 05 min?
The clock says 6 h 02 min
